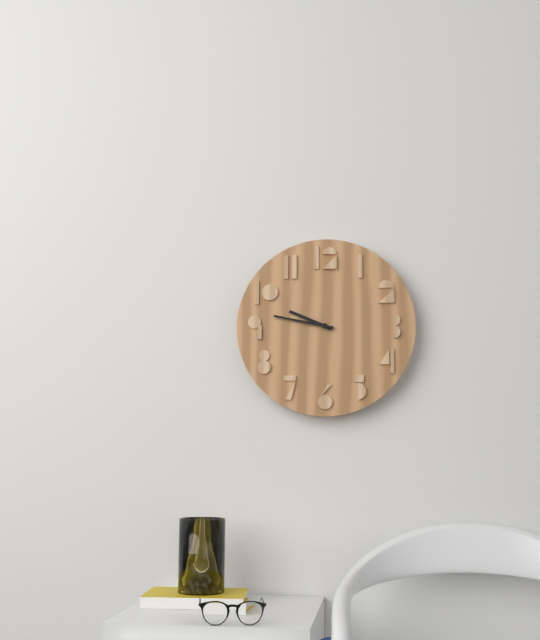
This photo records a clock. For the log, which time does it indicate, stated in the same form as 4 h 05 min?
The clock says 9 h 47 min
